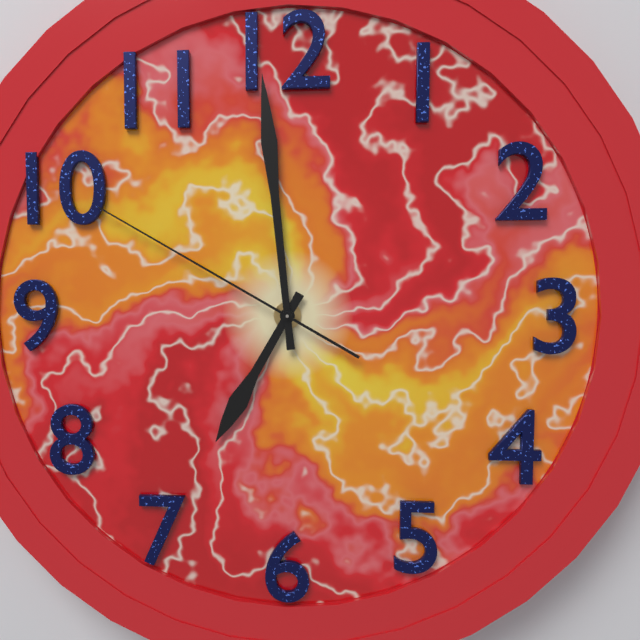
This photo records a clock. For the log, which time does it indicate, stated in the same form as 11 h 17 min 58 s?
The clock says 6 h 59 min 50 s
